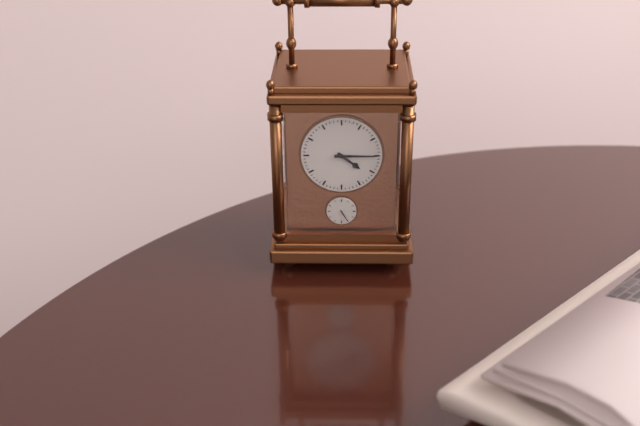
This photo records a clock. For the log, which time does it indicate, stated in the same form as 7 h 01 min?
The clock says 4 h 15 min
